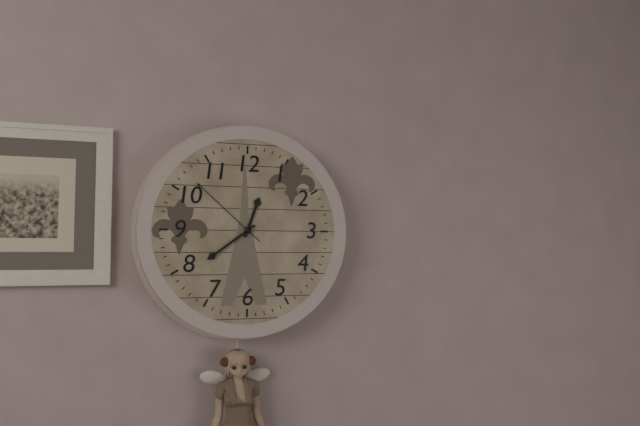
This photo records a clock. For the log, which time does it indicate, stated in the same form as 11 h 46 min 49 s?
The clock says 12 h 39 min 52 s
